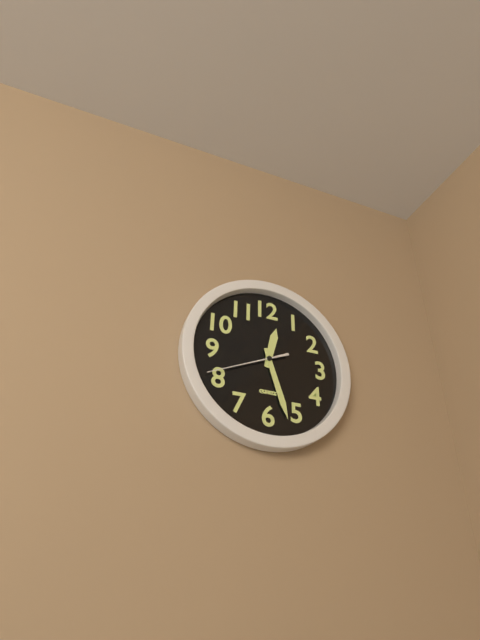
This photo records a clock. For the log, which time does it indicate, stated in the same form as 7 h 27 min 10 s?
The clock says 12 h 27 min 41 s
